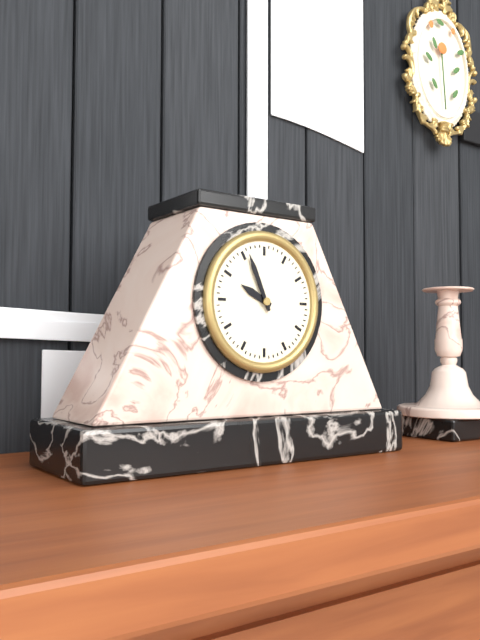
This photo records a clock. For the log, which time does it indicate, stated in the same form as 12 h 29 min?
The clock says 9 h 56 min
